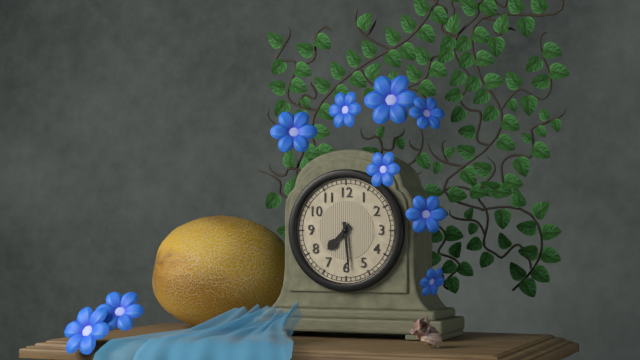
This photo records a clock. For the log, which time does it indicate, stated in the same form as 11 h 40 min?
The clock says 7 h 29 min
